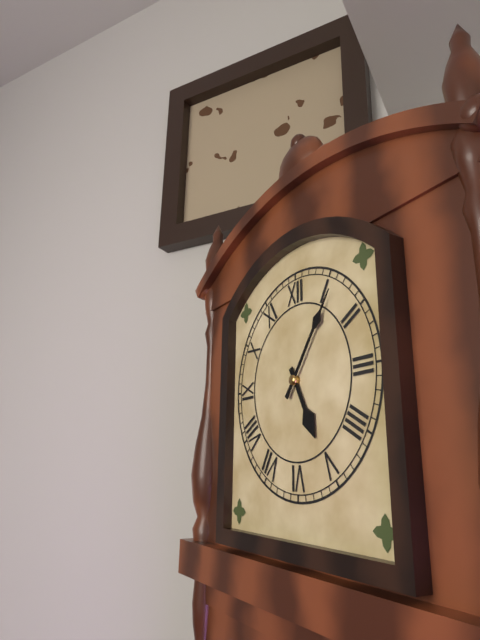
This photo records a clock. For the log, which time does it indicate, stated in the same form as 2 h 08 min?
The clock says 5 h 06 min
